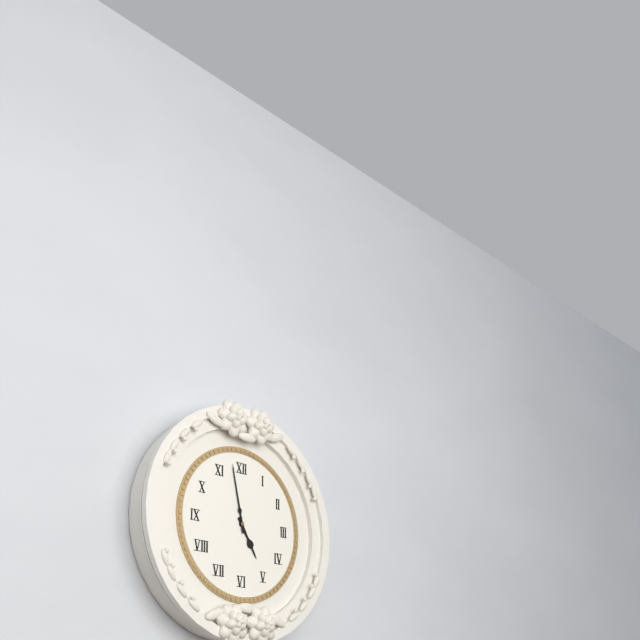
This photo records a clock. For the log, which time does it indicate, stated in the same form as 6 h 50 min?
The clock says 4 h 58 min
